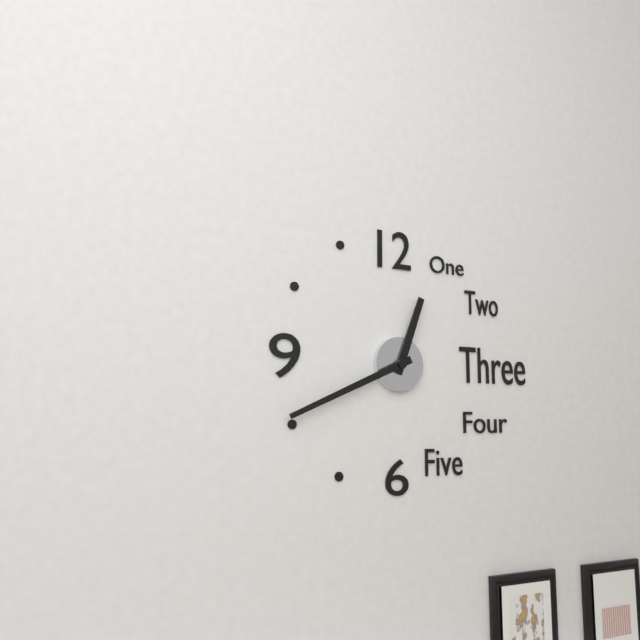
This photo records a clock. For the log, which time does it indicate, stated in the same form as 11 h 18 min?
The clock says 12 h 41 min
